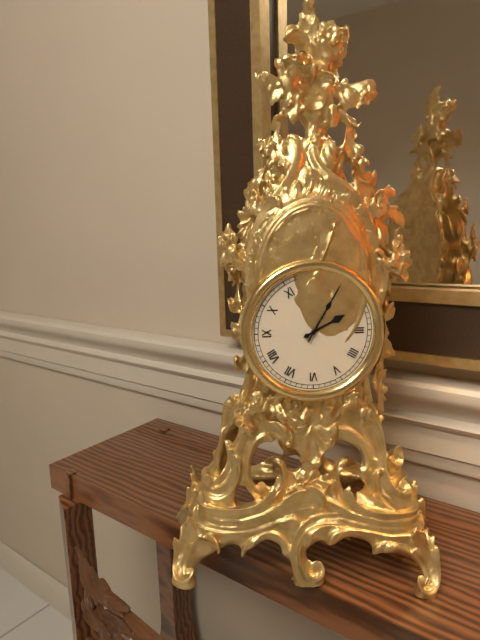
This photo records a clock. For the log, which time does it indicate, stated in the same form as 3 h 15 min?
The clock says 2 h 05 min
